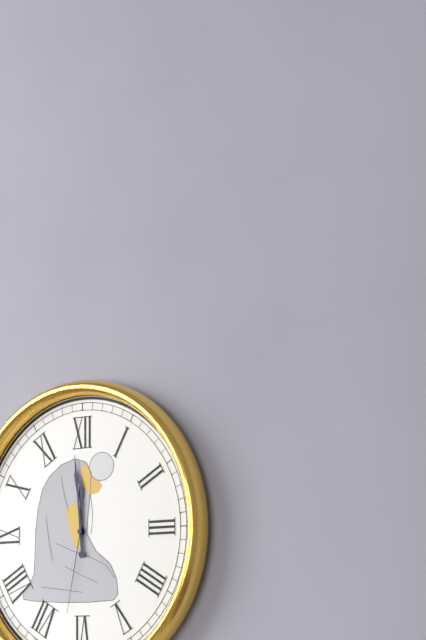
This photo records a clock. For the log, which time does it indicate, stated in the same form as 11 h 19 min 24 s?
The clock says 11 h 59 min 32 s
